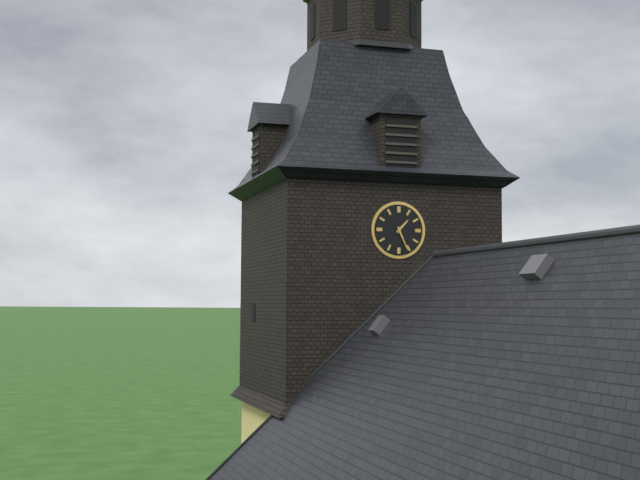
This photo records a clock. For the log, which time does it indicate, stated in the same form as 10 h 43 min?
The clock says 1 h 26 min
